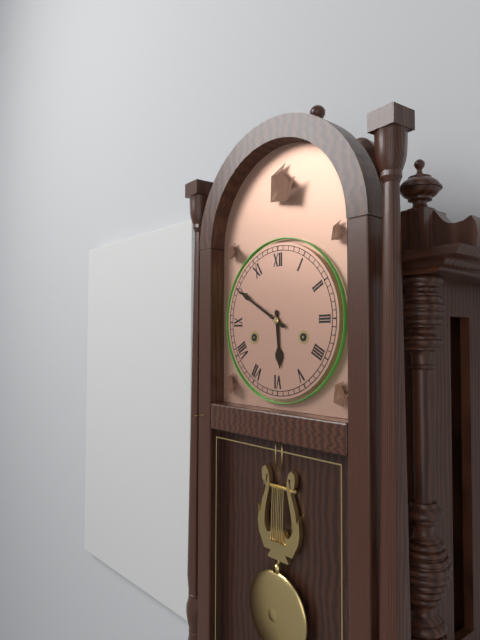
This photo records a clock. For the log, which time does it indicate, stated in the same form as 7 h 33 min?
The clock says 5 h 50 min
